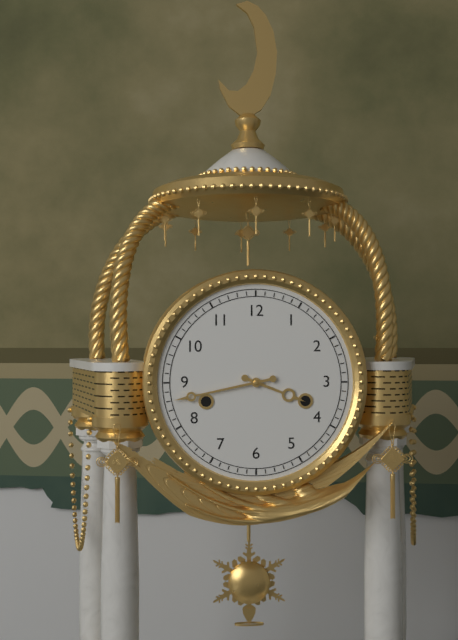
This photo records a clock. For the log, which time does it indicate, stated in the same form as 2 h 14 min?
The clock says 3 h 43 min
